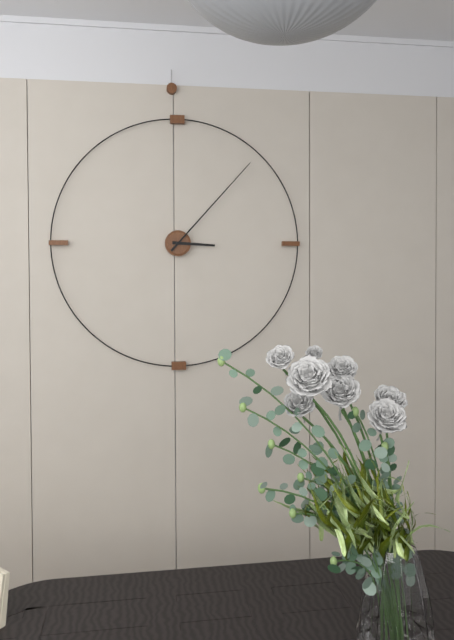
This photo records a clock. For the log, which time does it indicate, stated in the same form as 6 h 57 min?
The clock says 3 h 07 min
